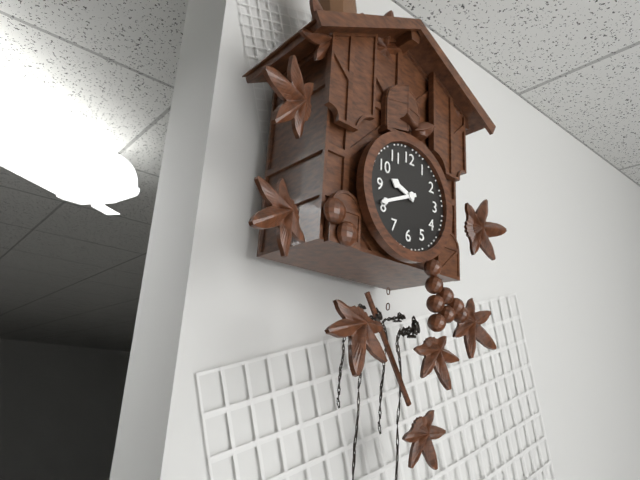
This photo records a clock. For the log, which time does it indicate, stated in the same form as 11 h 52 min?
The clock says 9 h 41 min
